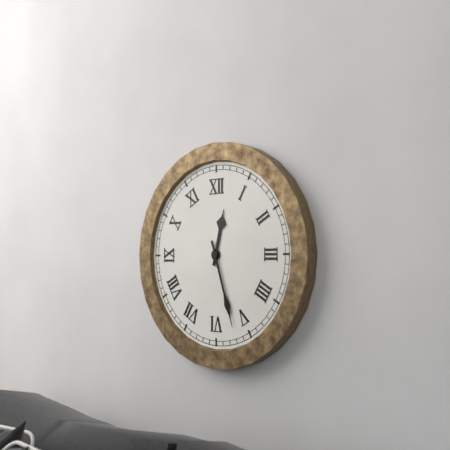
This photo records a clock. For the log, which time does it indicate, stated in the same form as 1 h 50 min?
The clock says 12 h 27 min
